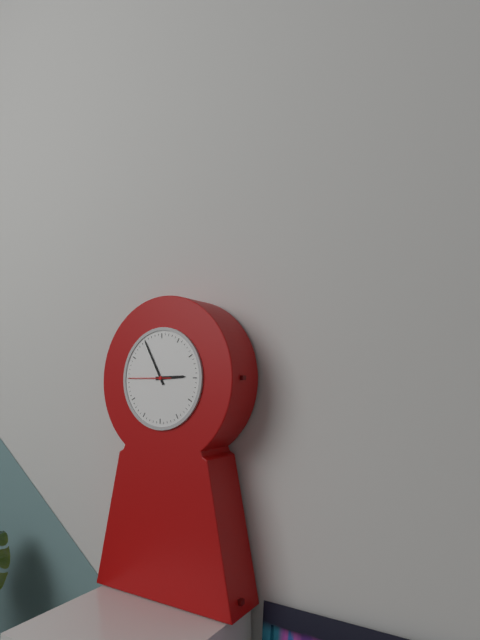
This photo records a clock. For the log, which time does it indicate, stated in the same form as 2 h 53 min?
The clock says 2 h 55 min
